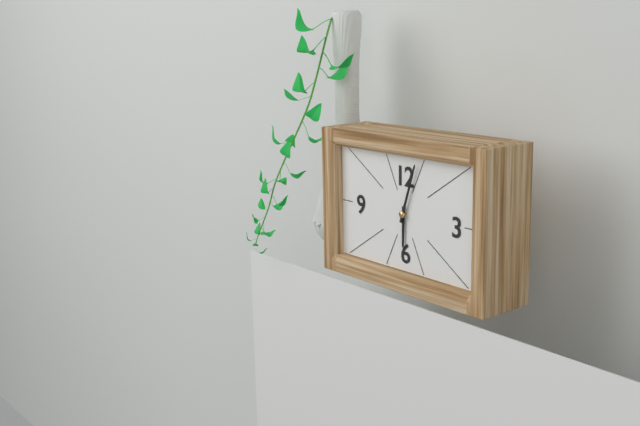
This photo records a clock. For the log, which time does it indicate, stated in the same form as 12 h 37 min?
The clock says 6 h 03 min
